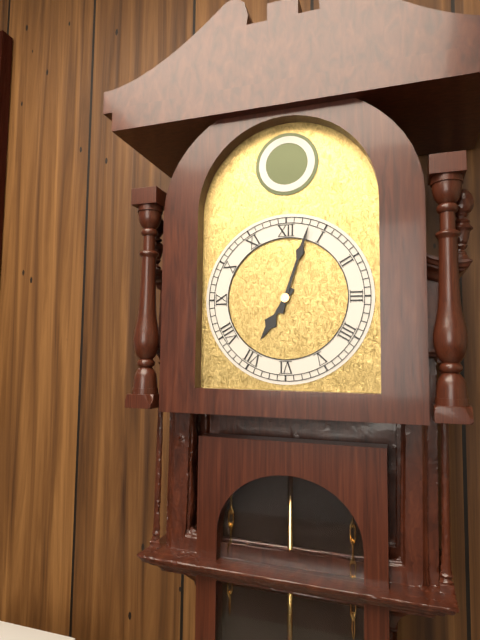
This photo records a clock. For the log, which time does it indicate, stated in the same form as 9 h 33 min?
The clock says 7 h 03 min
